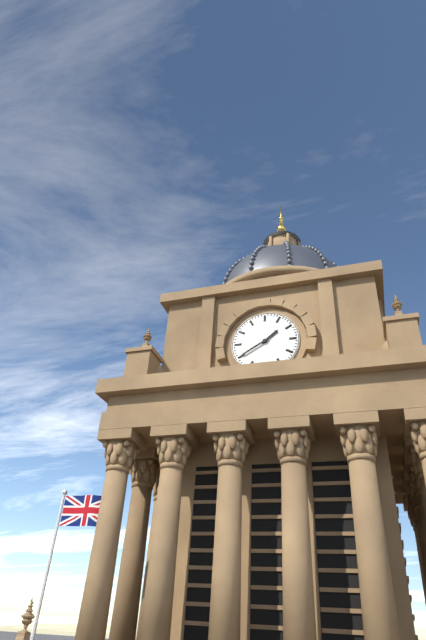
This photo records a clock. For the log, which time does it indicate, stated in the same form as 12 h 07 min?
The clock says 1 h 40 min
